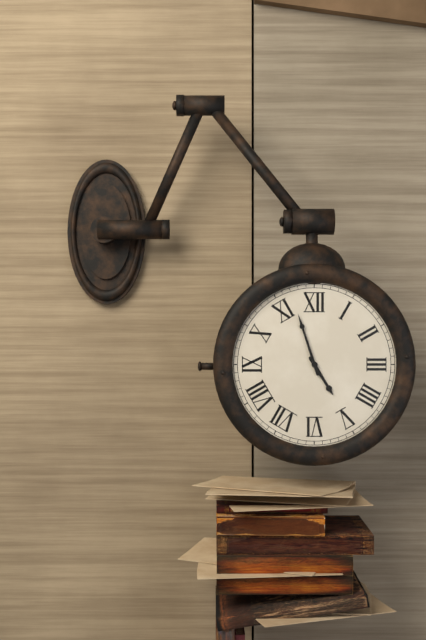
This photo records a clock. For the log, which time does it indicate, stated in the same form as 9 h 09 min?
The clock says 4 h 57 min
